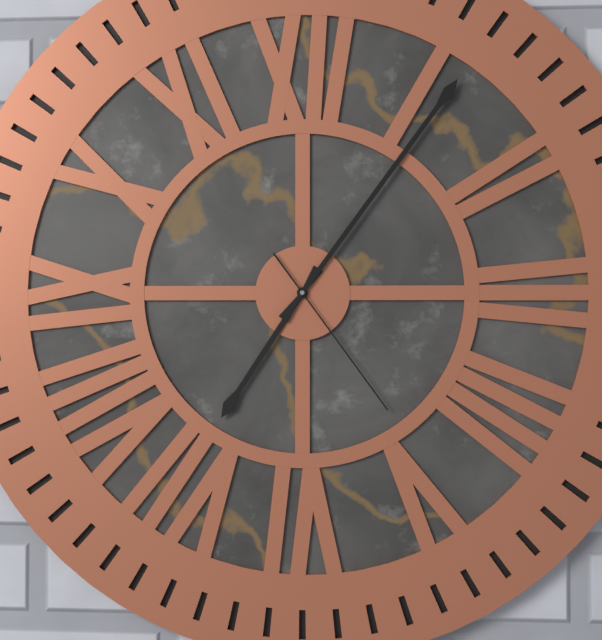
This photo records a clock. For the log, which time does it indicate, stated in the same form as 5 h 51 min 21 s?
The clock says 7 h 06 min 24 s
